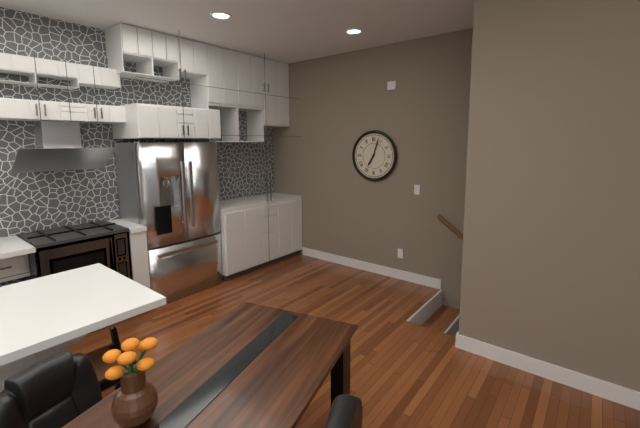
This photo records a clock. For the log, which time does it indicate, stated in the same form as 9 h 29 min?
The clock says 7 h 03 min
